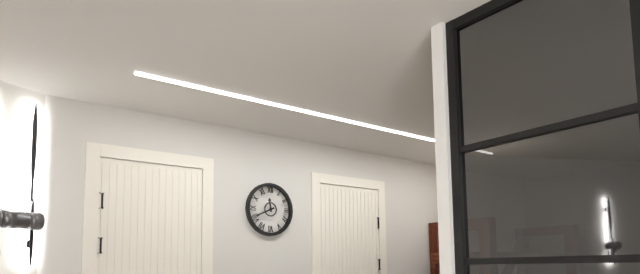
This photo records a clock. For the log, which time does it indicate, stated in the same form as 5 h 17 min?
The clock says 11 h 41 min
